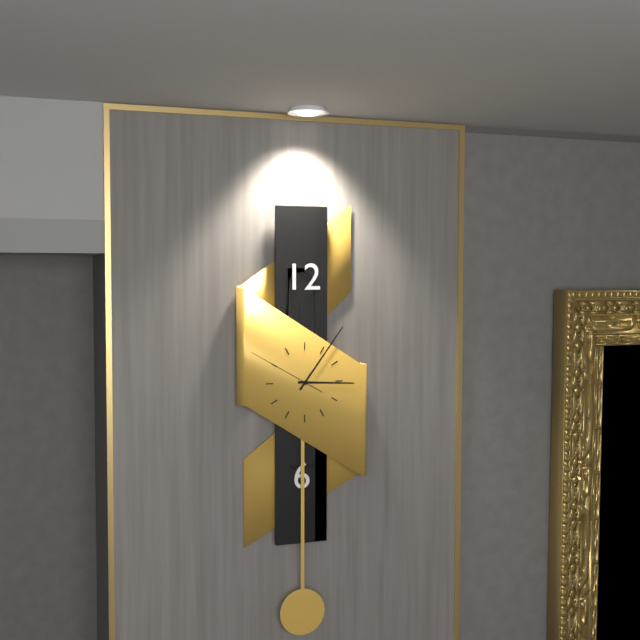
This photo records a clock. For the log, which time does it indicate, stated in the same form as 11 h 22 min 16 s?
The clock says 3 h 06 min 50 s
